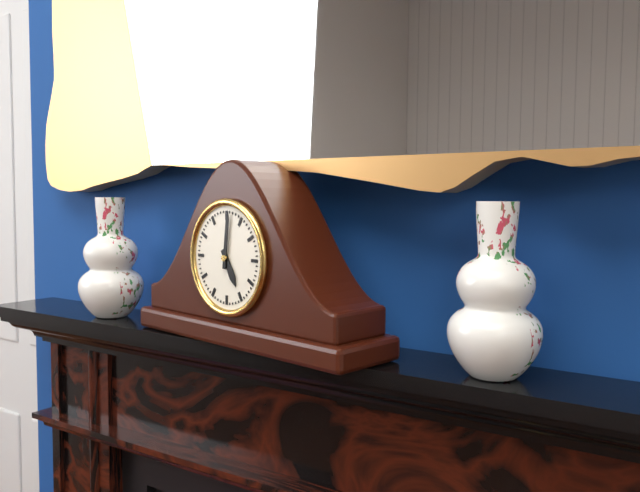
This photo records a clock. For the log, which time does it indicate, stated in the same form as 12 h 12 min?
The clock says 5 h 01 min
